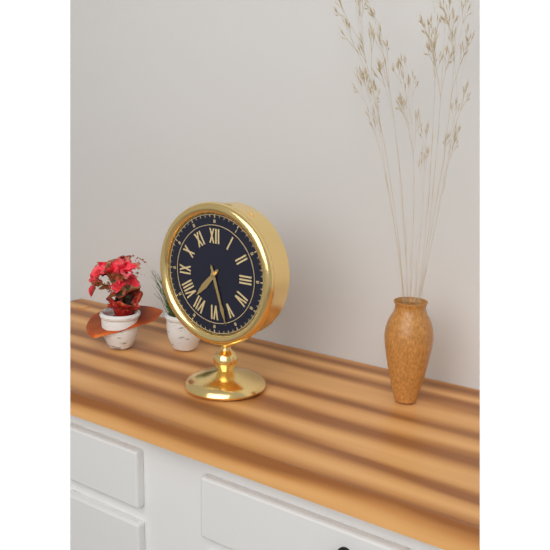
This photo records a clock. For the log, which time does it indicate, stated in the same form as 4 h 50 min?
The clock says 7 h 27 min
